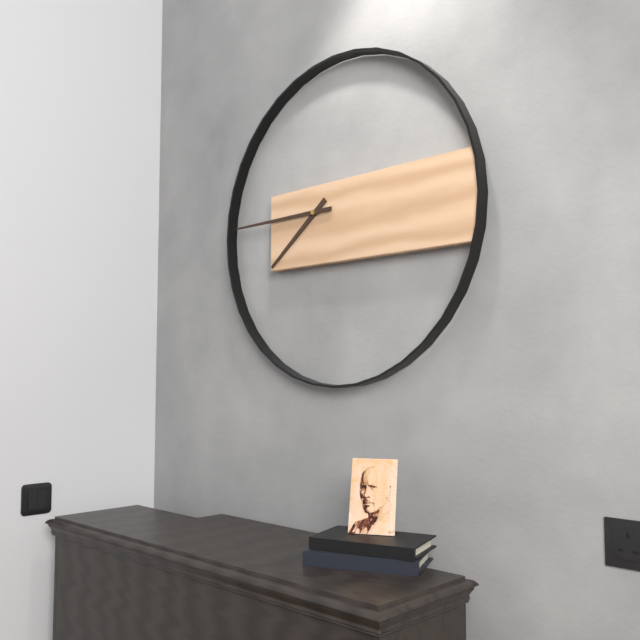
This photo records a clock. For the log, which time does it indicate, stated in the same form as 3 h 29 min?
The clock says 7 h 45 min
